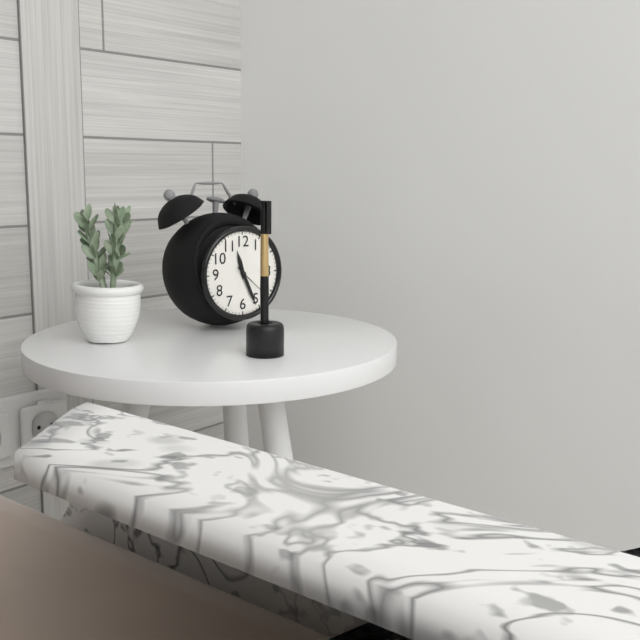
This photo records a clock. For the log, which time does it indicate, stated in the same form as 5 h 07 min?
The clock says 11 h 26 min
